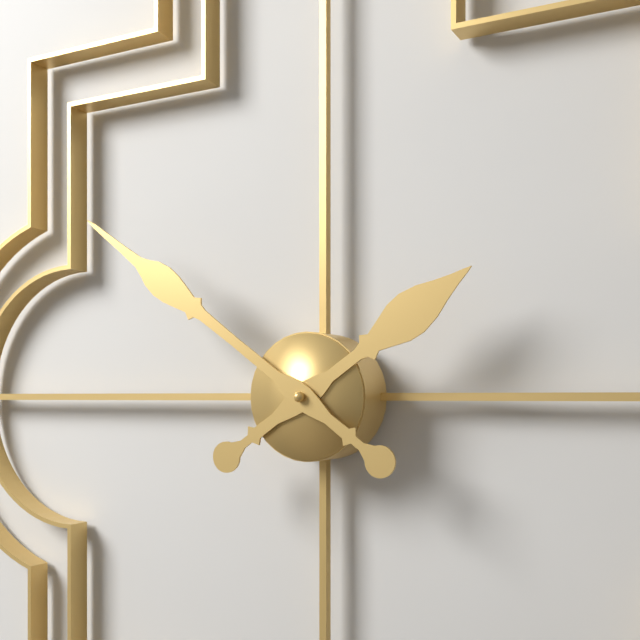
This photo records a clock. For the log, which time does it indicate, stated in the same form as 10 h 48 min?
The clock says 1 h 51 min
